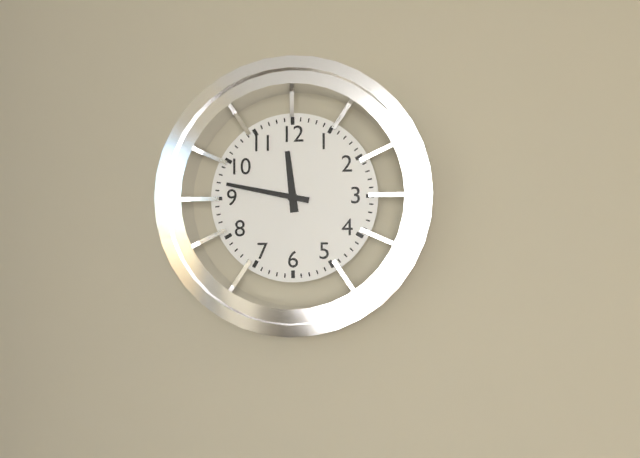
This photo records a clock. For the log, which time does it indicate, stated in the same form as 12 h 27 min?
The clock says 11 h 47 min
